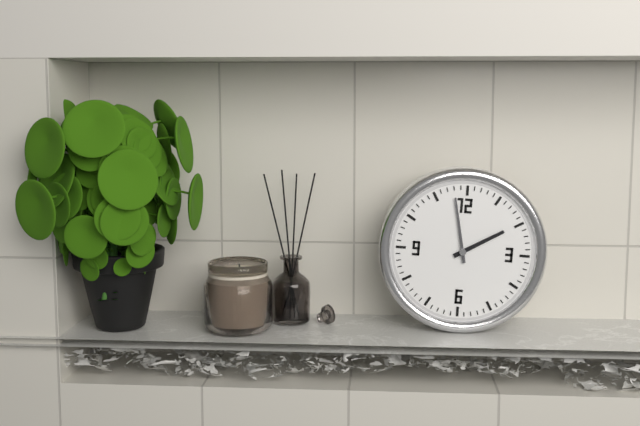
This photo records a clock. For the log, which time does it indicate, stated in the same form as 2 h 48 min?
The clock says 1 h 58 min
